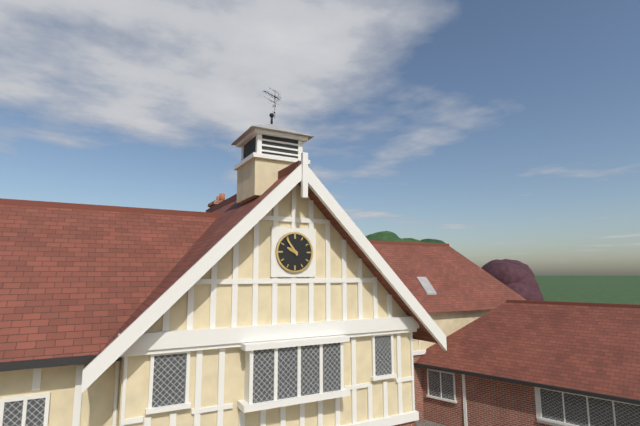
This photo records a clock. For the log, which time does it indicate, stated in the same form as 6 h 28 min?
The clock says 9 h 54 min
